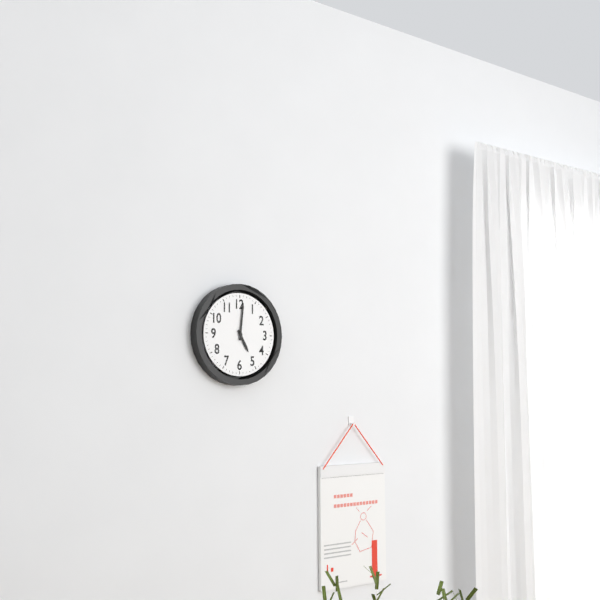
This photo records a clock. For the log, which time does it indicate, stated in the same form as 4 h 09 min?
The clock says 5 h 01 min
